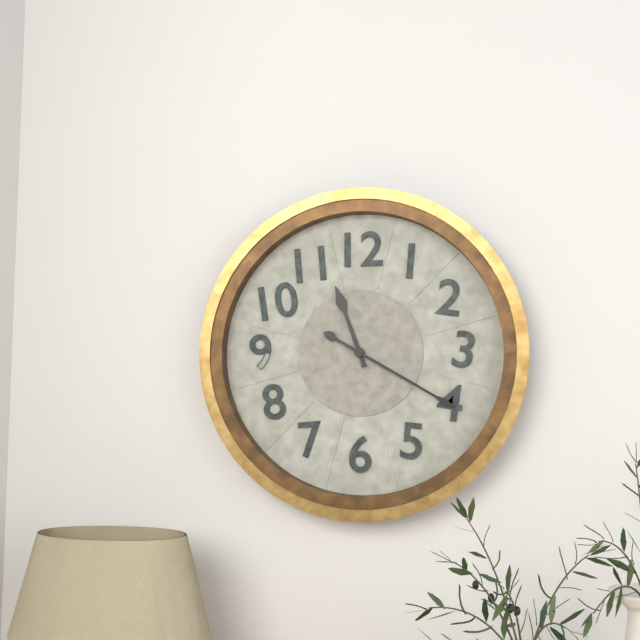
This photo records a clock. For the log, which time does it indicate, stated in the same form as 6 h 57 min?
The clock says 11 h 20 min
